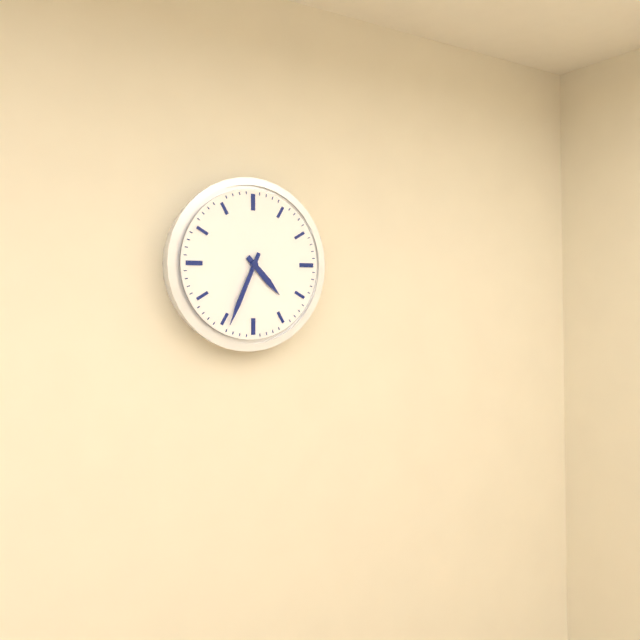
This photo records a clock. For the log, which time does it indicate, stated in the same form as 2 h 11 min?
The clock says 4 h 34 min
